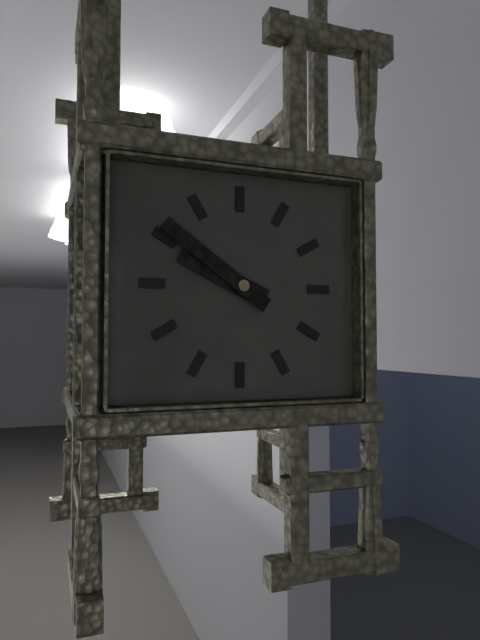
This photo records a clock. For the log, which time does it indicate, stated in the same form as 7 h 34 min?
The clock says 9 h 51 min
